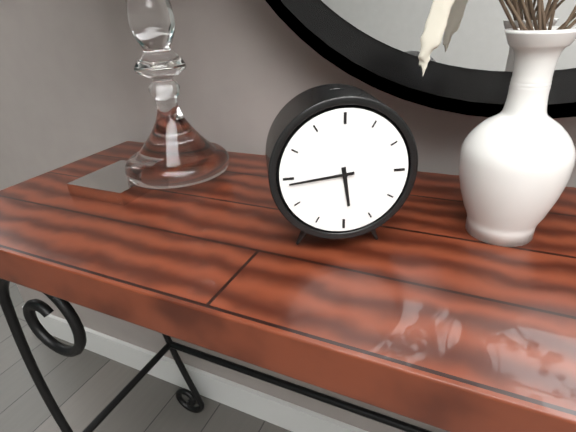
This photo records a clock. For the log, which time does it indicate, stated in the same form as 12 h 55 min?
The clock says 5 h 44 min
